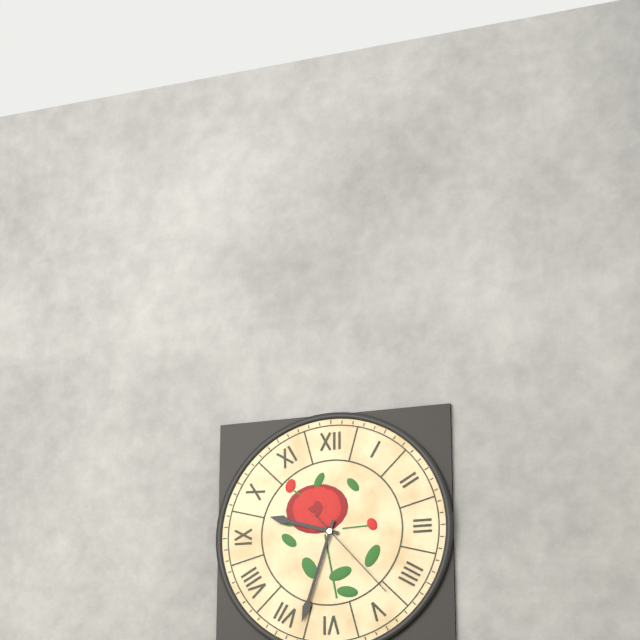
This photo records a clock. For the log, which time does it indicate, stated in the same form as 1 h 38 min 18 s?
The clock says 9 h 33 min 23 s
